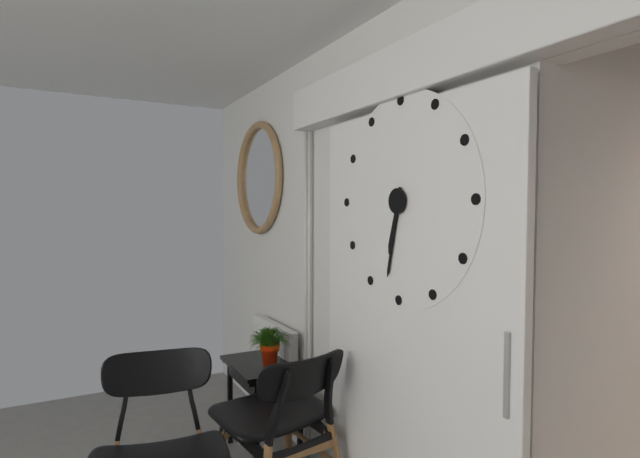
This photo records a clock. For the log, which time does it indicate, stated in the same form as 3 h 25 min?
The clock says 6 h 32 min
